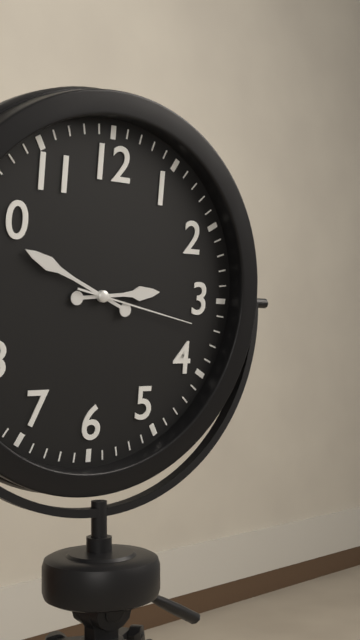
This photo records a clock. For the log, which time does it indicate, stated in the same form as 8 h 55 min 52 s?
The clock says 2 h 49 min 17 s
